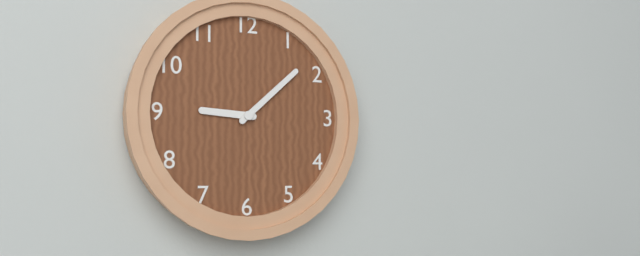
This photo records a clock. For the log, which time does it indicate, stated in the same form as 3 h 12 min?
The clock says 9 h 08 min
